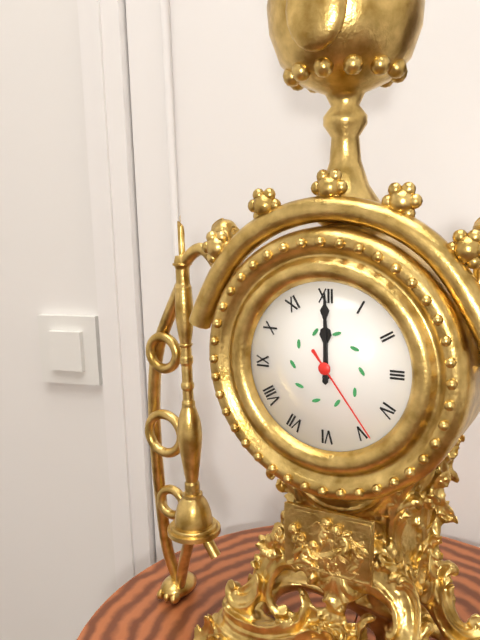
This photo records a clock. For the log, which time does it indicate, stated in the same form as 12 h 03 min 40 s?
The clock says 12 h 00 min 24 s
